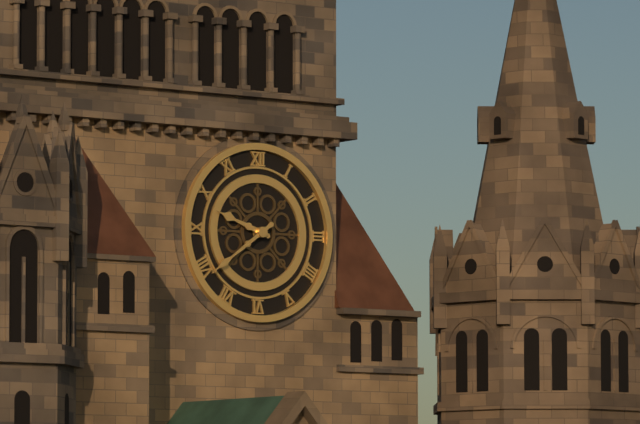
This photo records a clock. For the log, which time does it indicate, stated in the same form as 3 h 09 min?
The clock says 9 h 39 min
